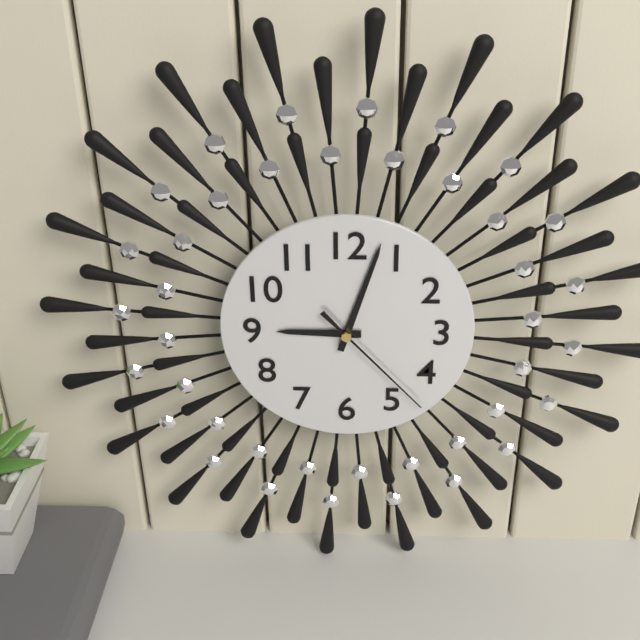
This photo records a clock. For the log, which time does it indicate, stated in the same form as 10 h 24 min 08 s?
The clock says 9 h 03 min 23 s
